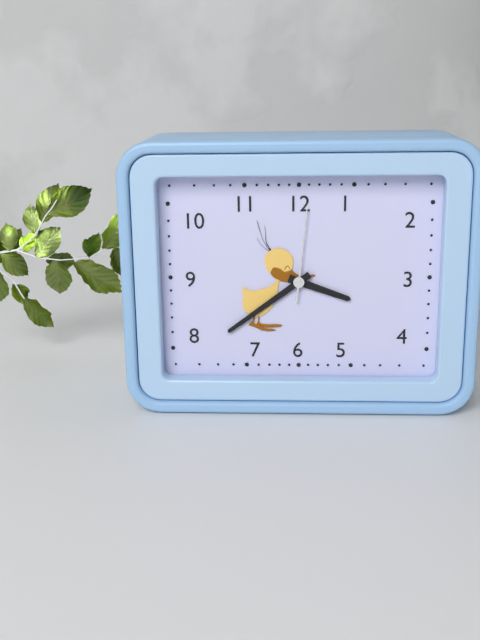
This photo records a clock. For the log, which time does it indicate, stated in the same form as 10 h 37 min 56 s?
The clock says 3 h 39 min 01 s
